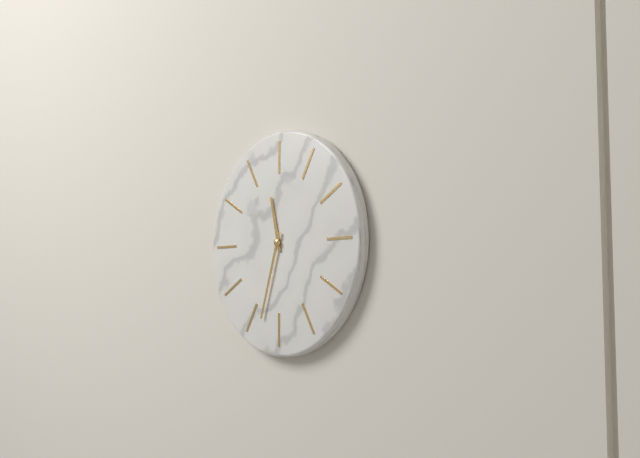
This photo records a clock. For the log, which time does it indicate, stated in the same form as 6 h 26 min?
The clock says 11 h 33 min
